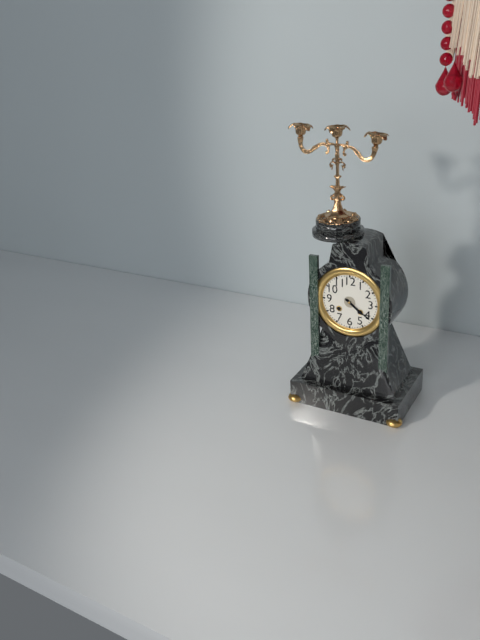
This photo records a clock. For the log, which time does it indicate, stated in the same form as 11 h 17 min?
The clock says 4 h 21 min
